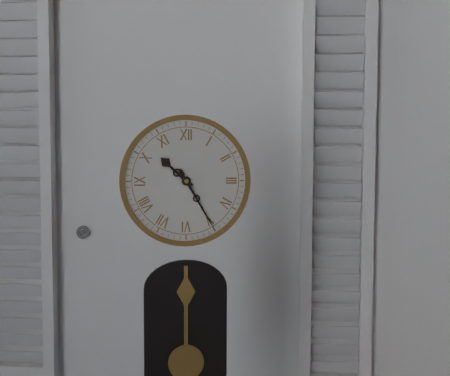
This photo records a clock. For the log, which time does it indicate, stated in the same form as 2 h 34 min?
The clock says 10 h 25 min
